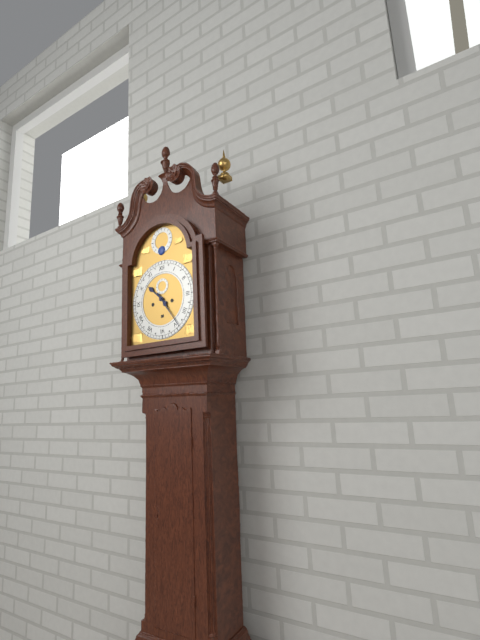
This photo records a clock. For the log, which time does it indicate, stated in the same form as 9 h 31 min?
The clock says 10 h 24 min
